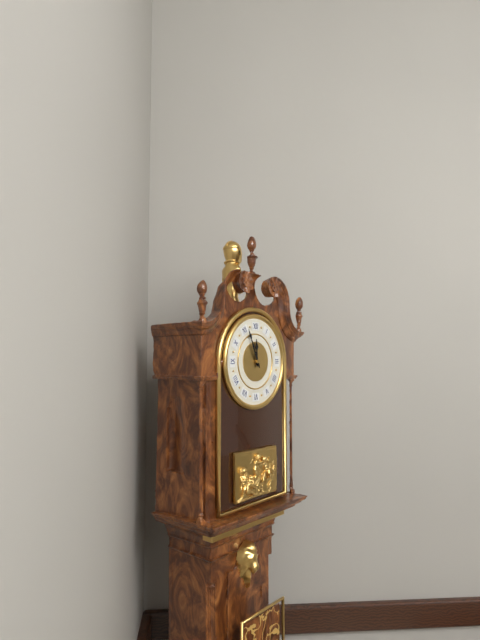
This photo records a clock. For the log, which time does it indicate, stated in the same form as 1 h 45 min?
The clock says 11 h 56 min
